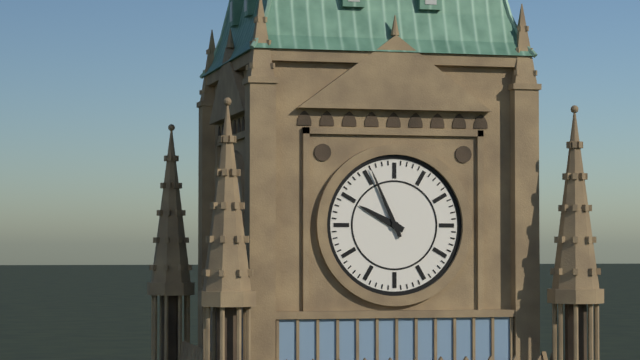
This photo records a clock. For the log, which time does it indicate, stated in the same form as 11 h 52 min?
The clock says 9 h 56 min
